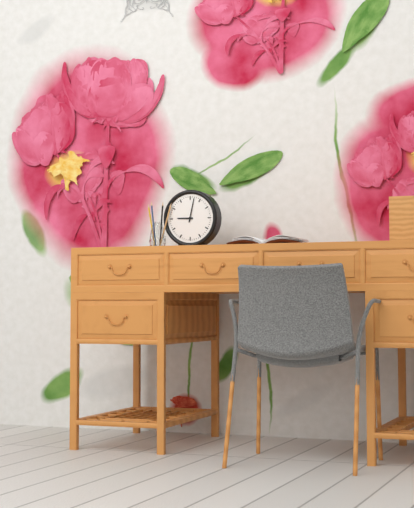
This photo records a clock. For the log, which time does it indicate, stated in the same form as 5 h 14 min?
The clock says 9 h 02 min
